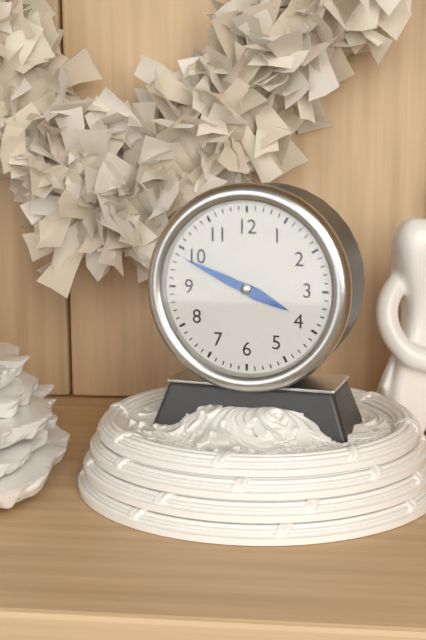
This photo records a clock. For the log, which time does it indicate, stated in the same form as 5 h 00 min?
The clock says 3 h 49 min
